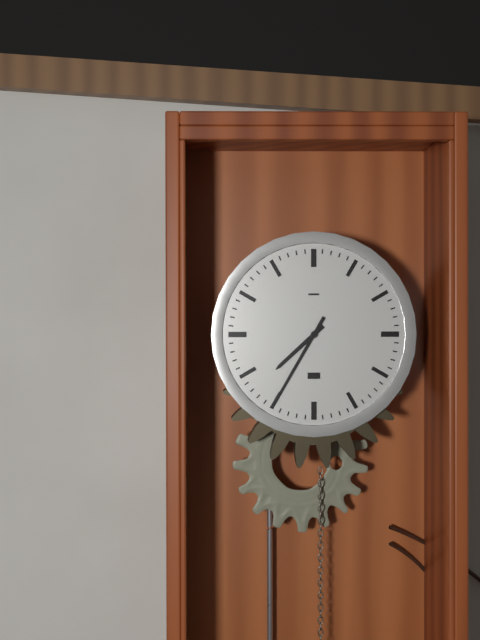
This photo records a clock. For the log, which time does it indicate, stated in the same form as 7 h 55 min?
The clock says 7 h 35 min
